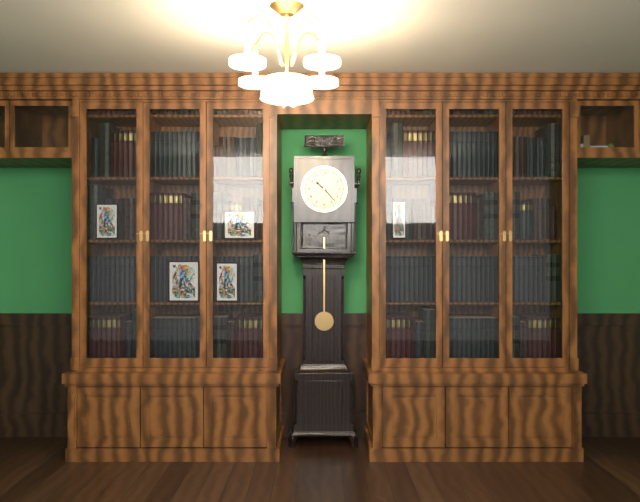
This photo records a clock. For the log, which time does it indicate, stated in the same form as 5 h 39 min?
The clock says 10 h 23 min
